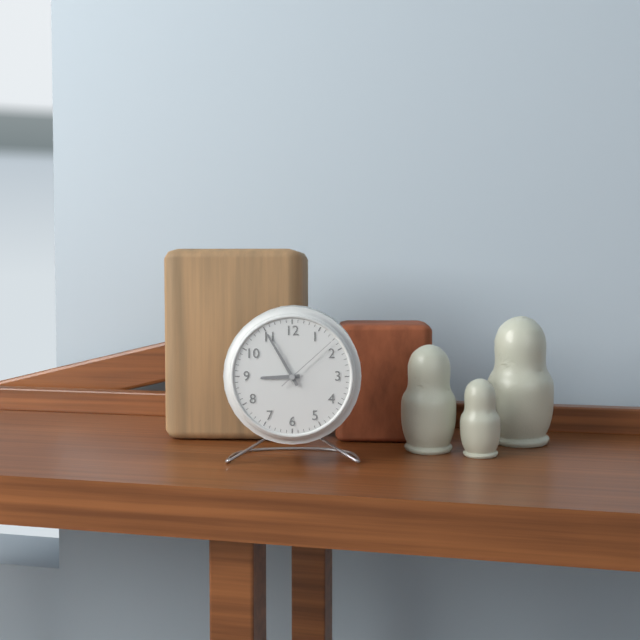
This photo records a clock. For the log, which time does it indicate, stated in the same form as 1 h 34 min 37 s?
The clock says 8 h 55 min 08 s
